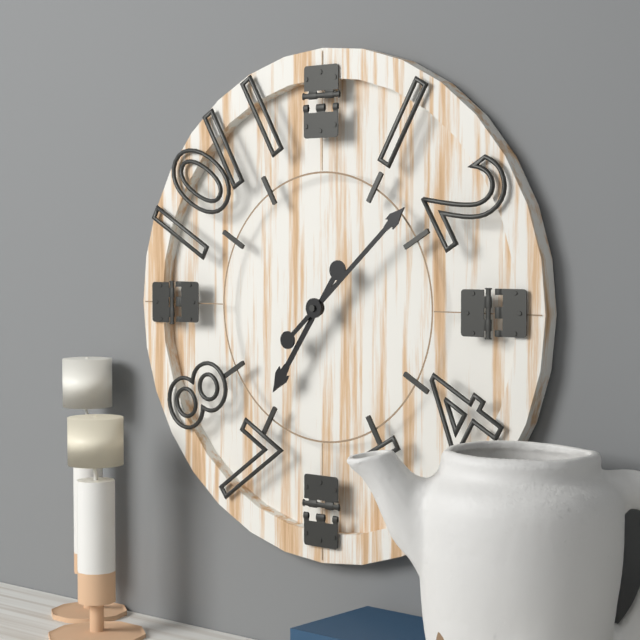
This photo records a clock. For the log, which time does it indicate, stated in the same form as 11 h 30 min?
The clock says 7 h 08 min
